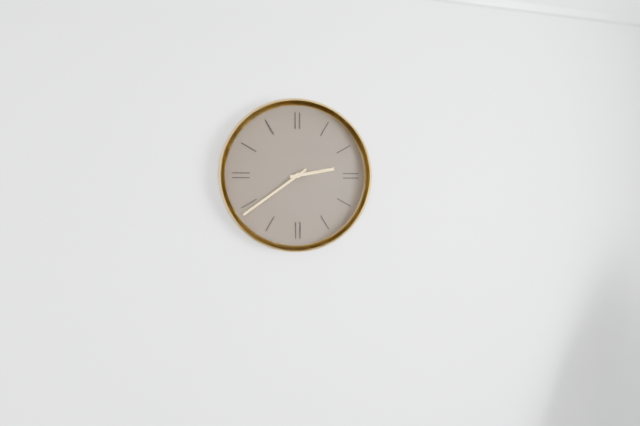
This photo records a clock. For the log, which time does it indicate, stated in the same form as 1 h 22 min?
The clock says 2 h 39 min
